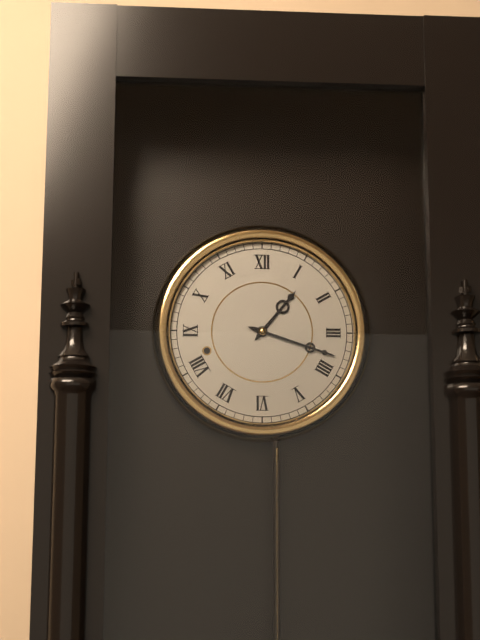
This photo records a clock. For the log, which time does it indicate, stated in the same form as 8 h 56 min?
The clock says 1 h 18 min
